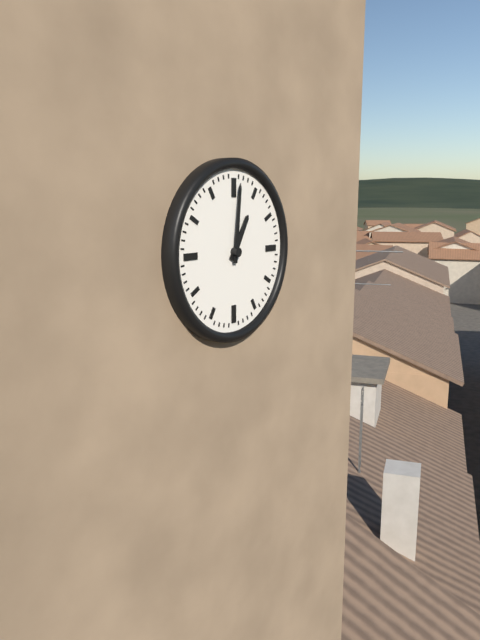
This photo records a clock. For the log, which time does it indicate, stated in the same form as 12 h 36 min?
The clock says 1 h 01 min
